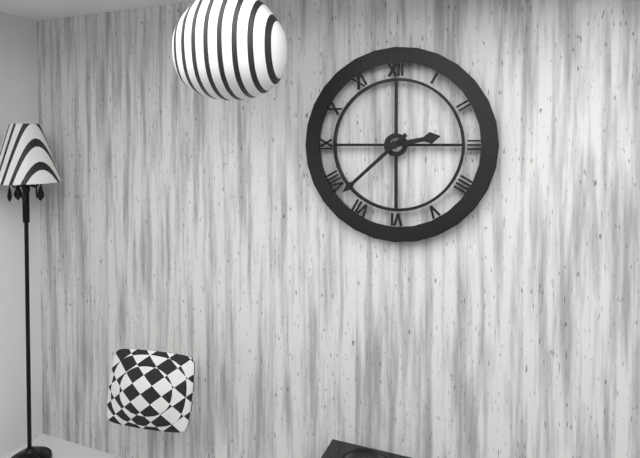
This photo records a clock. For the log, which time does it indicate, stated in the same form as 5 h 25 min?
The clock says 2 h 38 min
